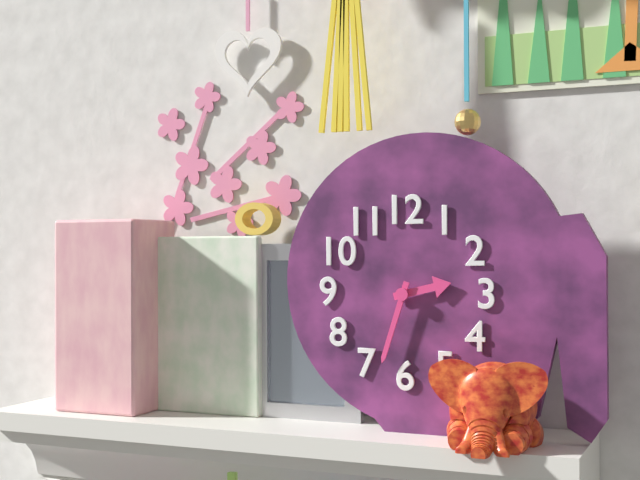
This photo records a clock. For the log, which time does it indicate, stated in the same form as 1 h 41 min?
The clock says 2 h 33 min
